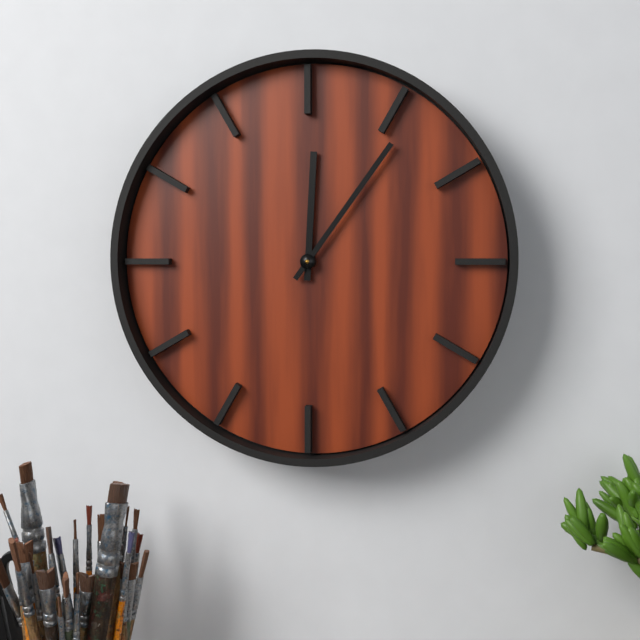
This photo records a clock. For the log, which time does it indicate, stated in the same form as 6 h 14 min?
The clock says 12 h 06 min
